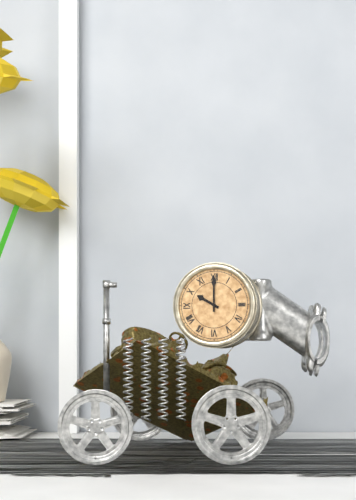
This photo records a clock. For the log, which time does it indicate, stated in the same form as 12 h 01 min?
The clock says 10 h 00 min
